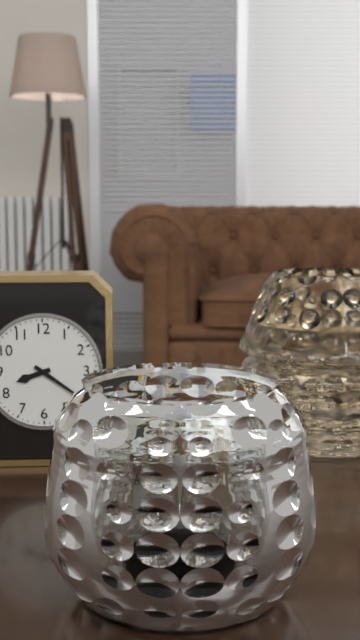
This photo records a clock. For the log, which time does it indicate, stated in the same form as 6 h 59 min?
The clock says 8 h 21 min
